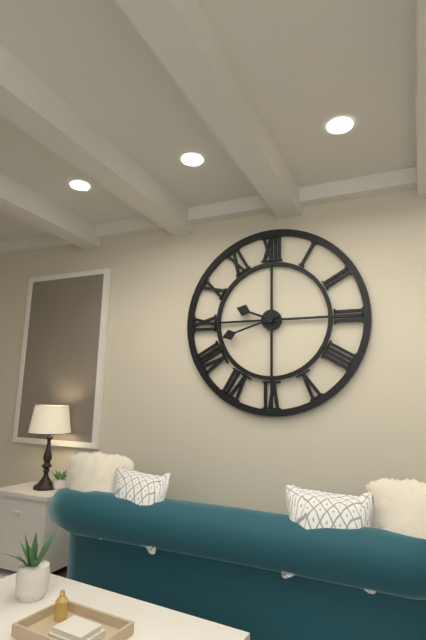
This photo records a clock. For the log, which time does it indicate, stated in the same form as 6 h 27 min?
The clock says 9 h 42 min
